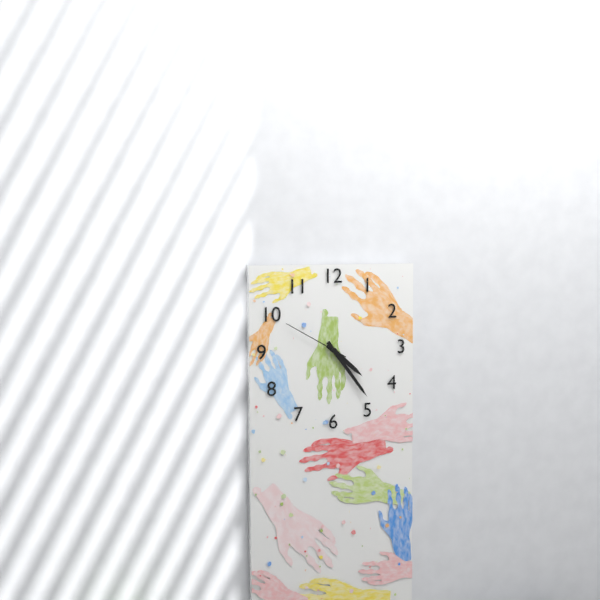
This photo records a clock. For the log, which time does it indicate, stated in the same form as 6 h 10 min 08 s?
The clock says 4 h 24 min 50 s
